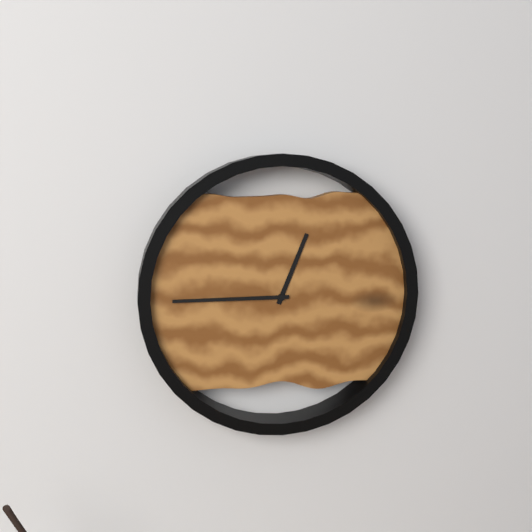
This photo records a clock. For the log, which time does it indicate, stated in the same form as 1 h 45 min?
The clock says 12 h 45 min
